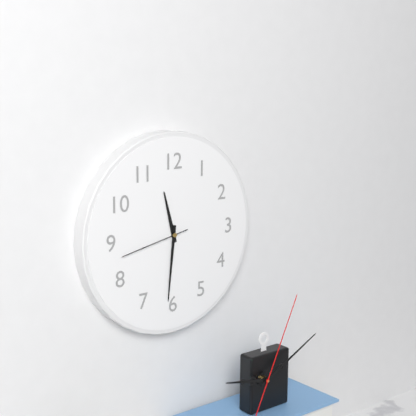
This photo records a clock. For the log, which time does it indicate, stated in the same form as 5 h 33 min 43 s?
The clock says 11 h 31 min 43 s
